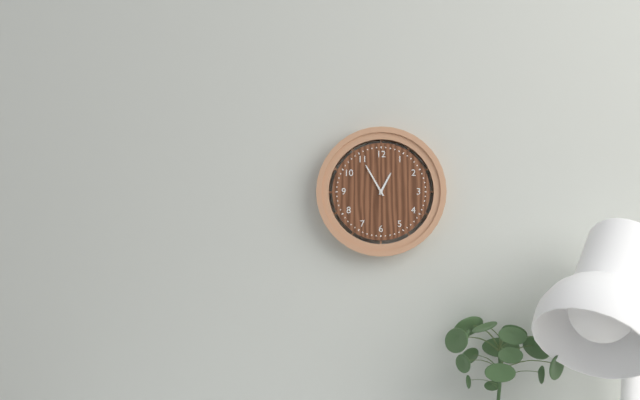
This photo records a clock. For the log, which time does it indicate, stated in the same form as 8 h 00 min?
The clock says 12 h 55 min
